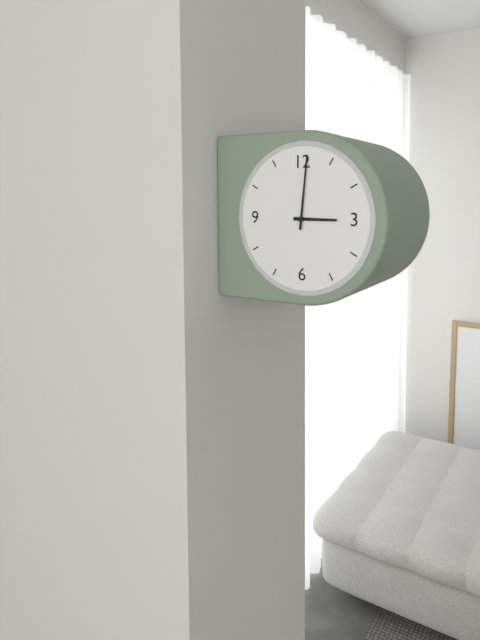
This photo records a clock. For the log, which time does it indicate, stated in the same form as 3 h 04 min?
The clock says 3 h 01 min
